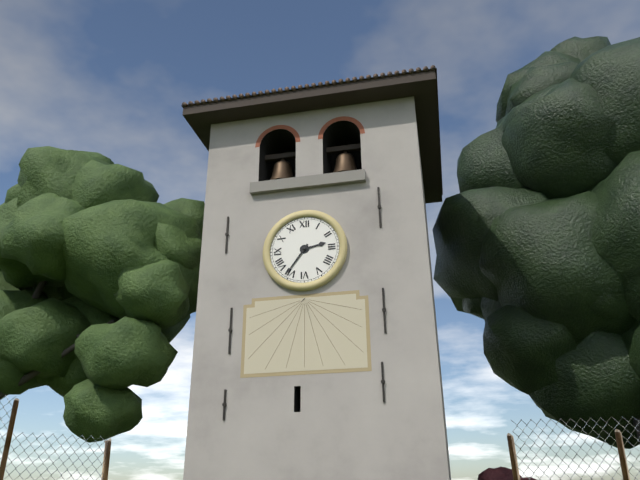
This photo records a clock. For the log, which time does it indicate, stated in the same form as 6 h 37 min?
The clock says 2 h 36 min
